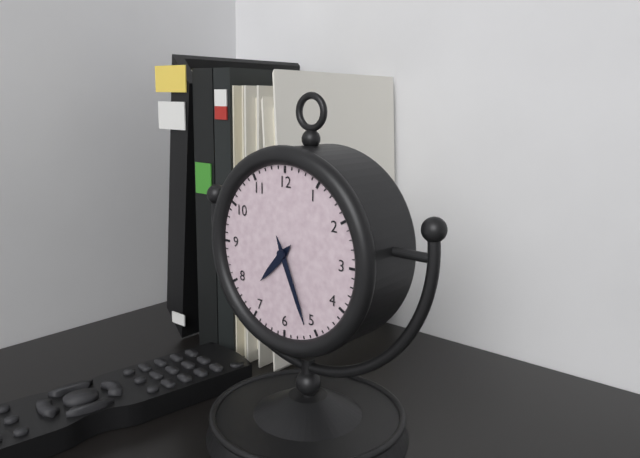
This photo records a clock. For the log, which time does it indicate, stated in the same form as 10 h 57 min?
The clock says 7 h 26 min
